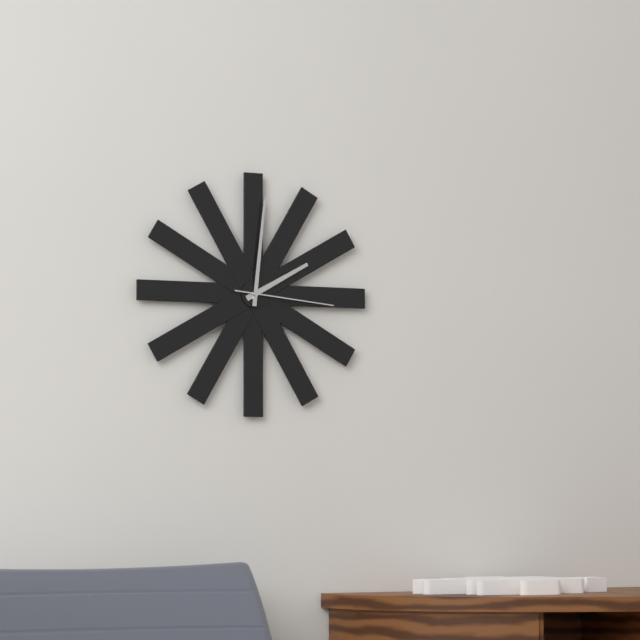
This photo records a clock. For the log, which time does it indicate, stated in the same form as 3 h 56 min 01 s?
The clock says 2 h 01 min 16 s
